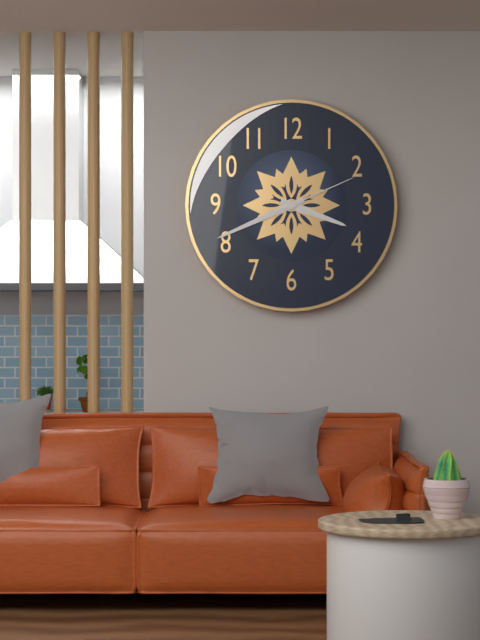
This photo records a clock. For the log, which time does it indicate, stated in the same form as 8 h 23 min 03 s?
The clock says 3 h 41 min 11 s
